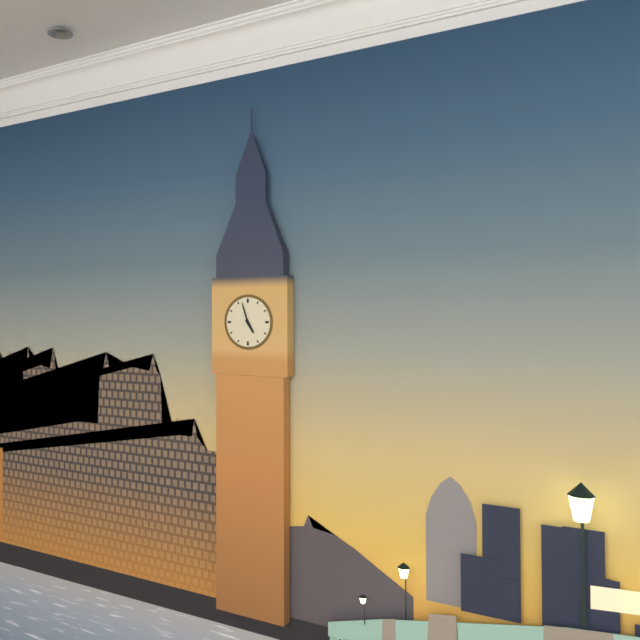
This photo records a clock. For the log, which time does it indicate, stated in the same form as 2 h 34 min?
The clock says 4 h 57 min
